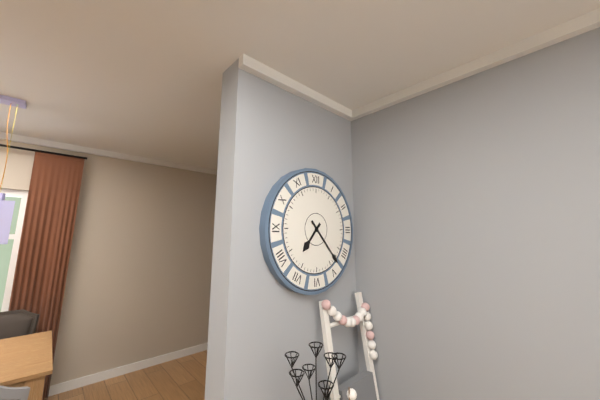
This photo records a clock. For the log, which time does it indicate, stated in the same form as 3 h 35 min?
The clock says 7 h 23 min
